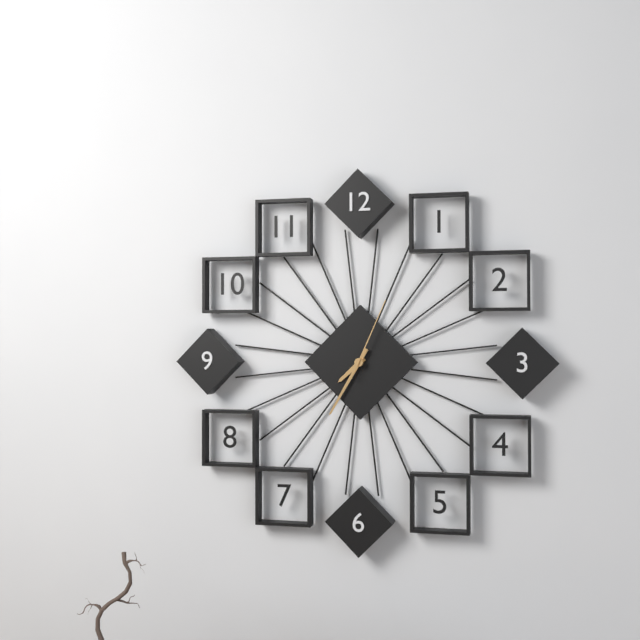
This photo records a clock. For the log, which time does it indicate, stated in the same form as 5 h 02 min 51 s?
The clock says 7 h 35 min 04 s
